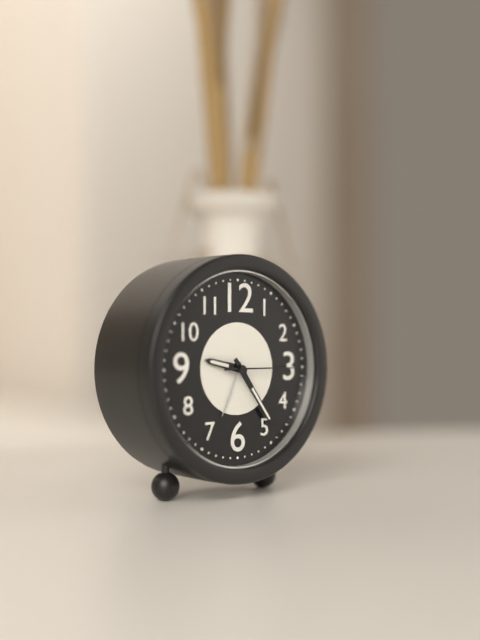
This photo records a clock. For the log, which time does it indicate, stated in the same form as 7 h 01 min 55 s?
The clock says 9 h 24 min 15 s
